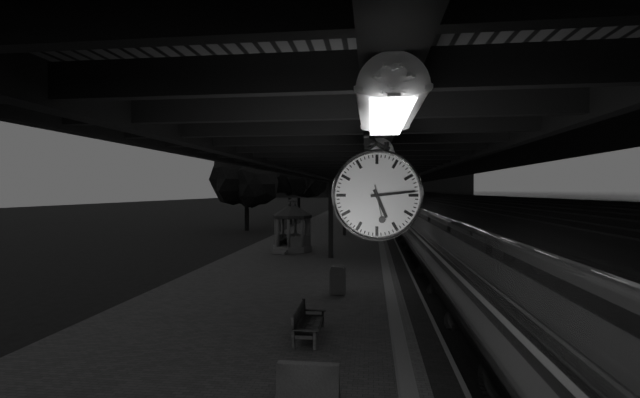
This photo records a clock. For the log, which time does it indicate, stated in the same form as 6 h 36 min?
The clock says 5 h 14 min
